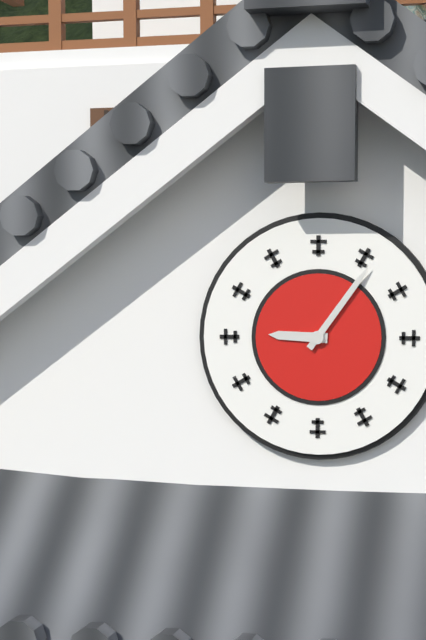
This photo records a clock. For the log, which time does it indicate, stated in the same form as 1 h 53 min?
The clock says 9 h 06 min
